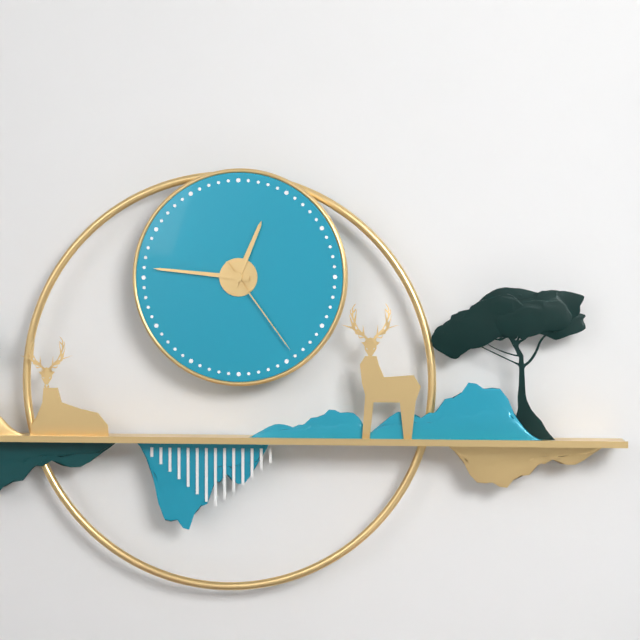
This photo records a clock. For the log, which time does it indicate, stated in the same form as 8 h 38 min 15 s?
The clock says 12 h 46 min 24 s
